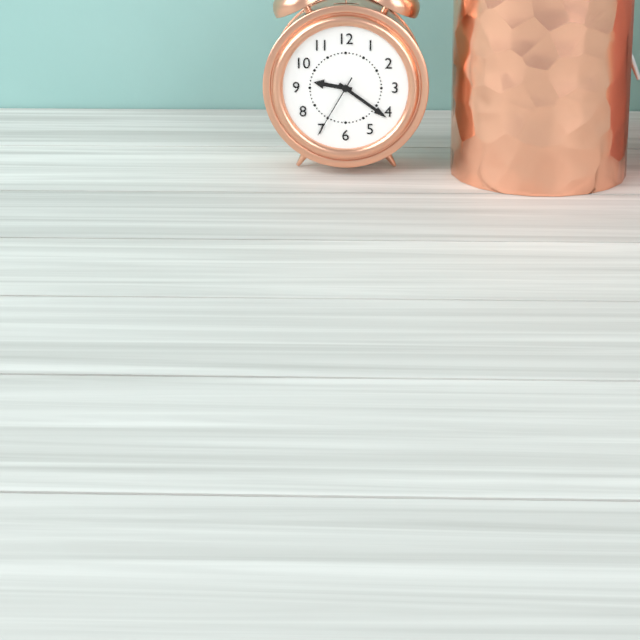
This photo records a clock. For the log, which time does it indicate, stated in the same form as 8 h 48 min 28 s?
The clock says 9 h 21 min 35 s
